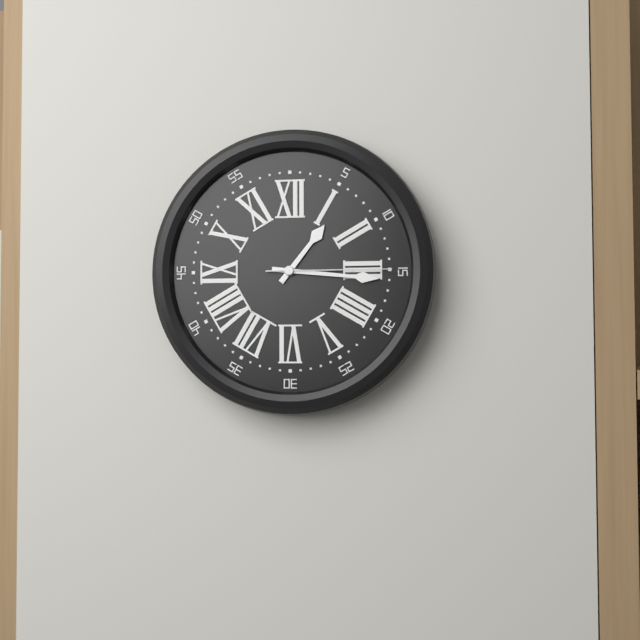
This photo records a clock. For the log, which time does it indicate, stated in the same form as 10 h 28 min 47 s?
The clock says 1 h 16 min 15 s
